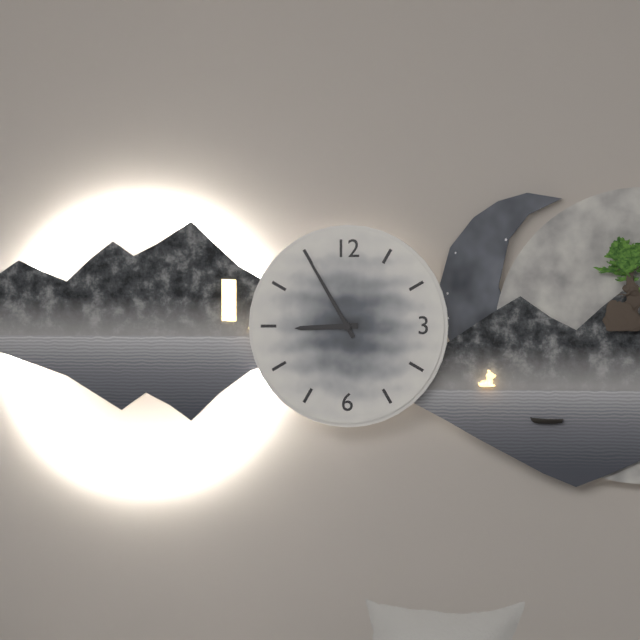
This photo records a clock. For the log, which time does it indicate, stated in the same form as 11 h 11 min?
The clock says 8 h 55 min
